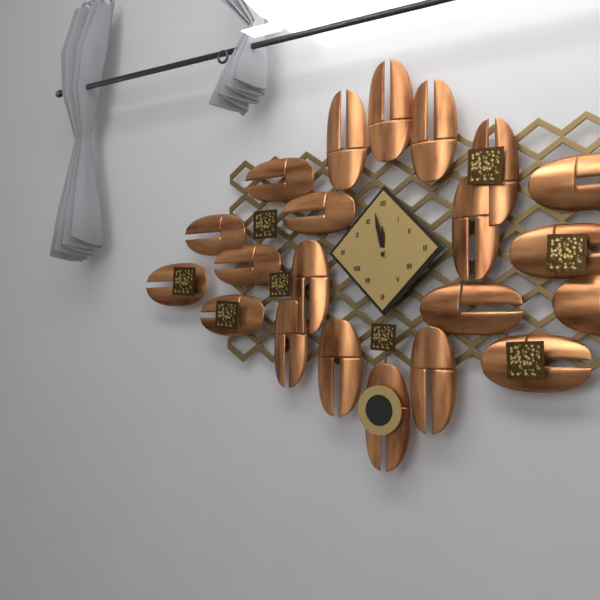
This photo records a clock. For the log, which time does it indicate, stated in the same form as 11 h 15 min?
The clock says 11 h 58 min
